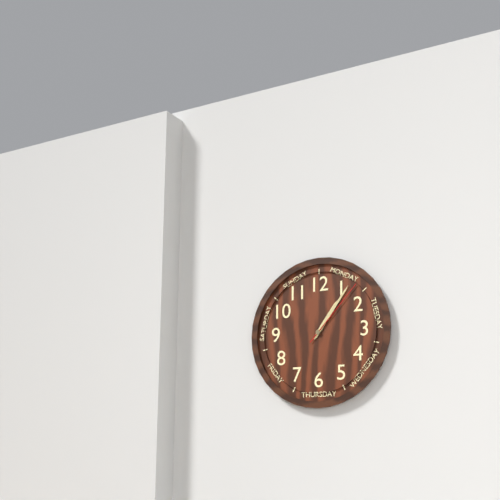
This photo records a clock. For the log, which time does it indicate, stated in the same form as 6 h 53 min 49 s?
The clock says 1 h 06 min 07 s
